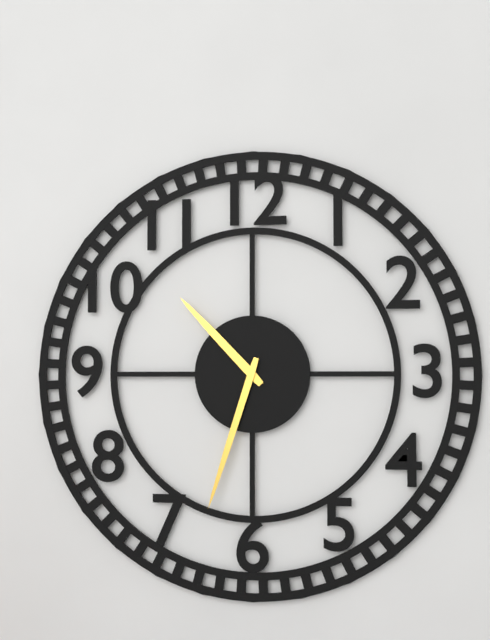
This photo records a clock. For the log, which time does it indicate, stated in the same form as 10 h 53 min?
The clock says 10 h 33 min
